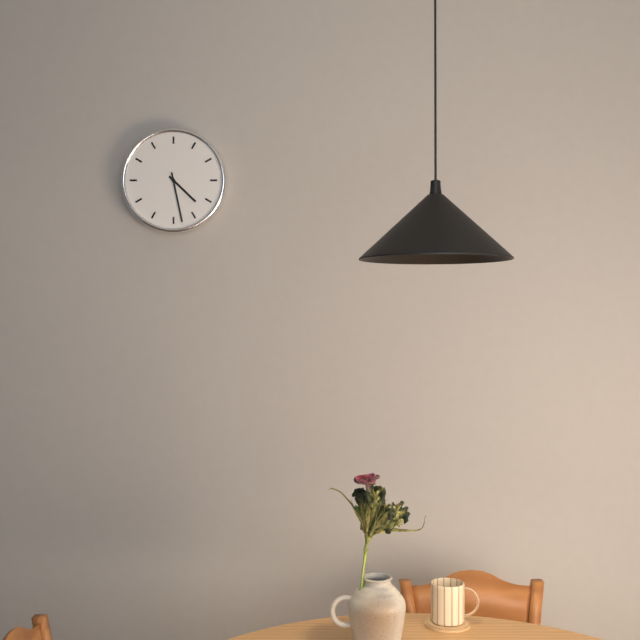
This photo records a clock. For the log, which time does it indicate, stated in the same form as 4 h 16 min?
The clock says 4 h 28 min
